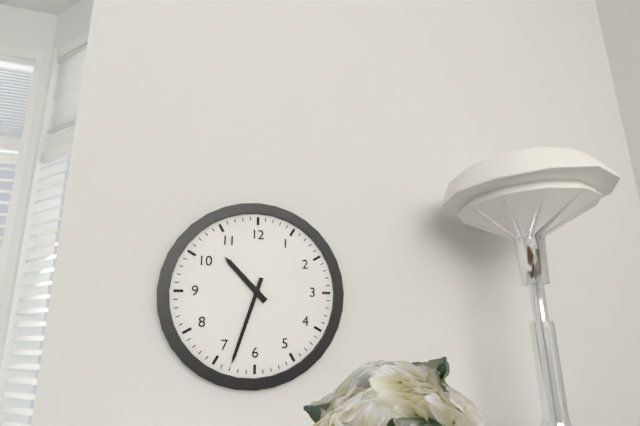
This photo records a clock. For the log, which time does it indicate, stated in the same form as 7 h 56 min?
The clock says 10 h 33 min
